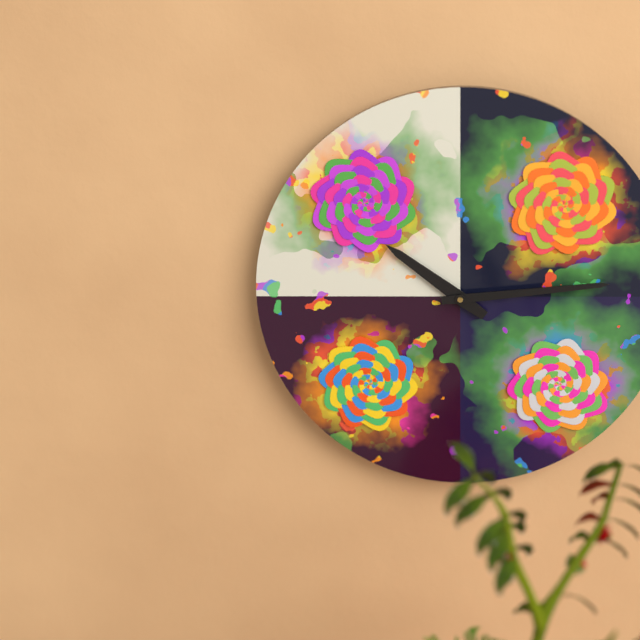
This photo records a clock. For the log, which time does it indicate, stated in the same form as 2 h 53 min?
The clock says 10 h 14 min
